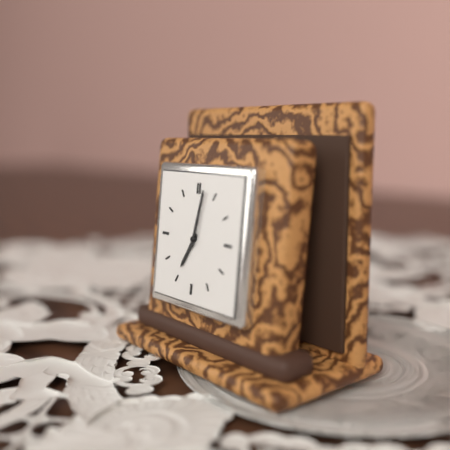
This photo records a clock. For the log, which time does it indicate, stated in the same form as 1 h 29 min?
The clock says 7 h 02 min
